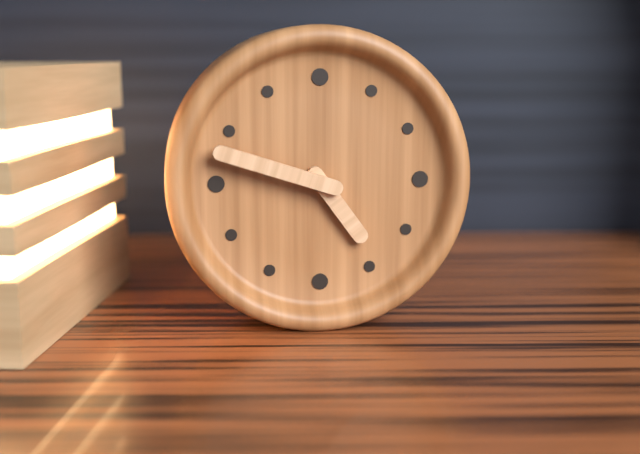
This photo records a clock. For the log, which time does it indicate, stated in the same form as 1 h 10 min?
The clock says 4 h 48 min
